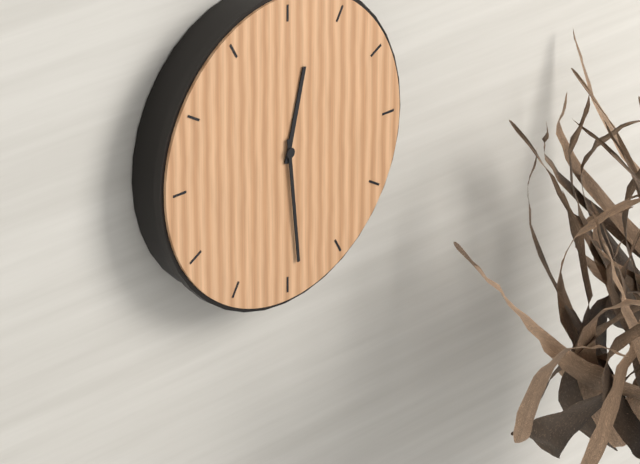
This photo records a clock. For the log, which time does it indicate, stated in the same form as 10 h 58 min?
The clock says 12 h 29 min
